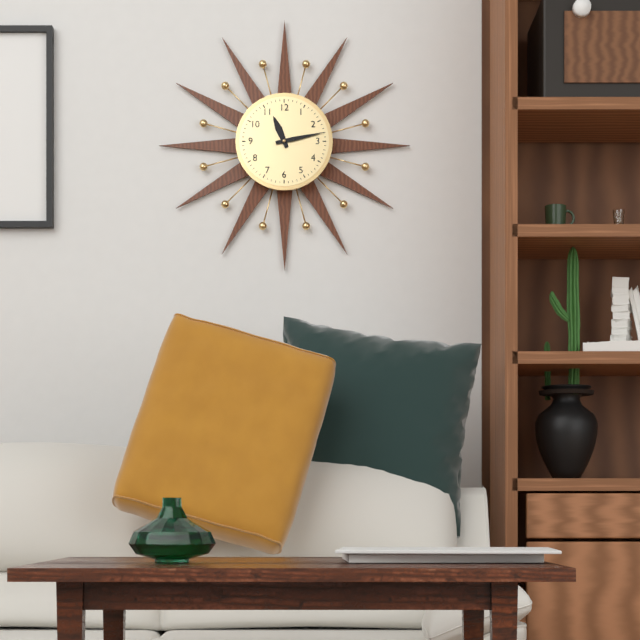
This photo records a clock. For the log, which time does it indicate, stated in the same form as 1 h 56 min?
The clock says 11 h 13 min
